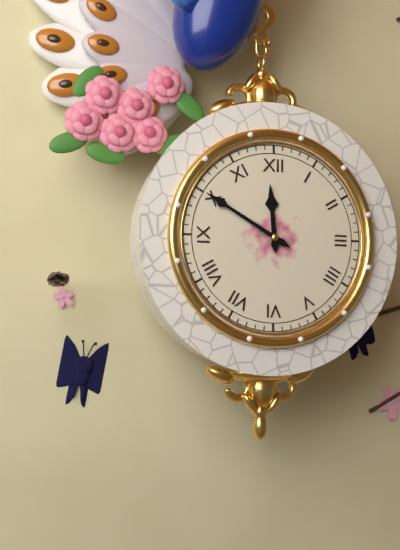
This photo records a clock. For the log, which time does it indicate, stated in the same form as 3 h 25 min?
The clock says 11 h 50 min
